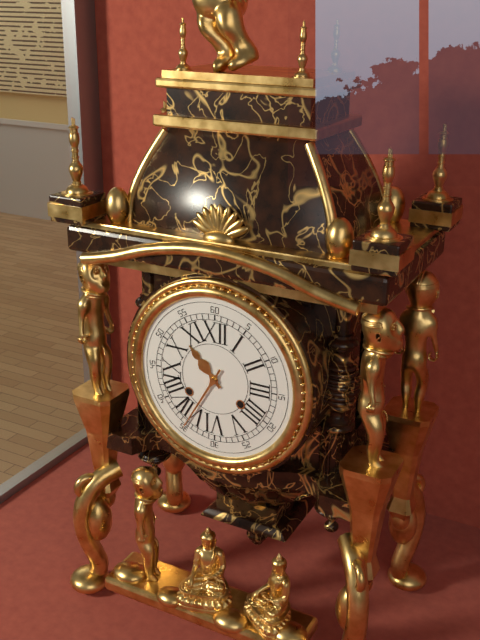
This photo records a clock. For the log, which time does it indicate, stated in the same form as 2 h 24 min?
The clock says 10 h 35 min
